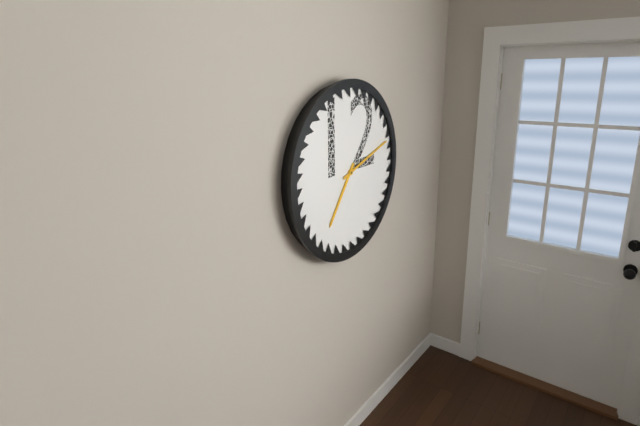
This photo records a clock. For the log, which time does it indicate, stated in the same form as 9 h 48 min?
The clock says 7 h 12 min
